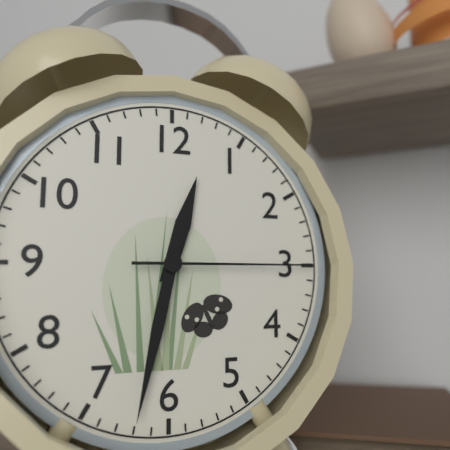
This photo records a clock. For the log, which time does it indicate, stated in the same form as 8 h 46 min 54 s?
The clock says 12 h 32 min 15 s
